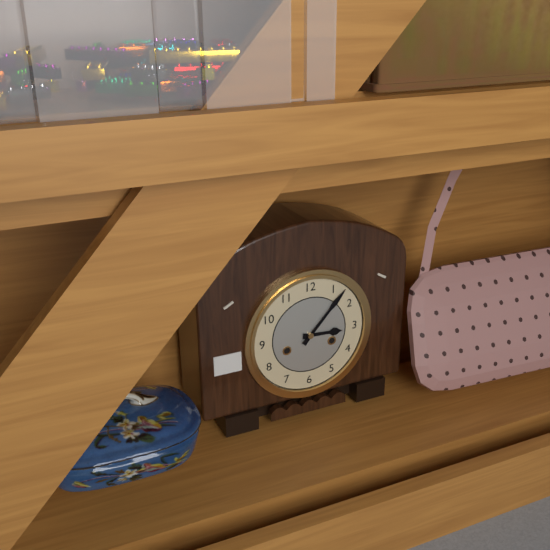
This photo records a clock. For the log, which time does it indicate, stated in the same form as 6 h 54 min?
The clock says 3 h 07 min
